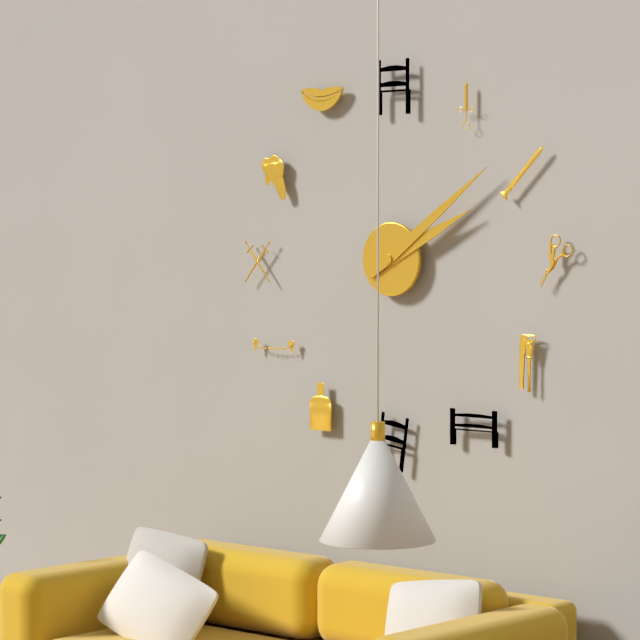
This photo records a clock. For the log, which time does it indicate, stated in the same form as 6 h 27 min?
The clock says 2 h 09 min
